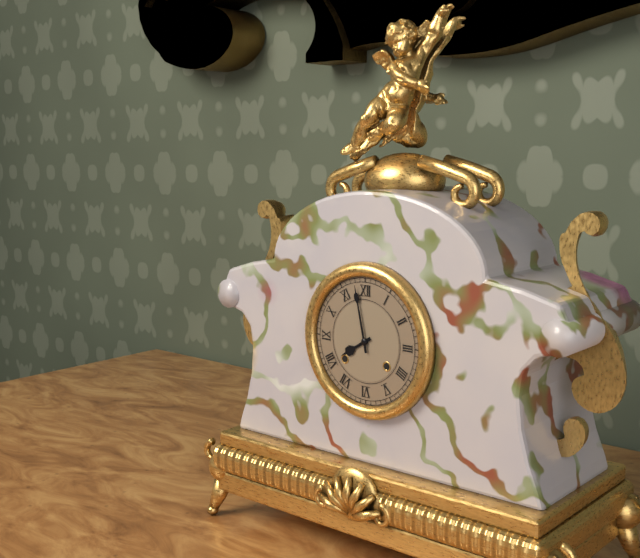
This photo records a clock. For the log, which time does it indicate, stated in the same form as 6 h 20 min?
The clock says 7 h 58 min
